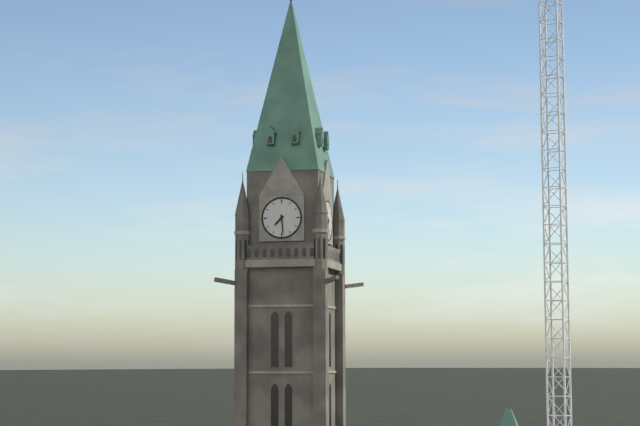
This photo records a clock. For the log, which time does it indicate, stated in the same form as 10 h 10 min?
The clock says 7 h 29 min
